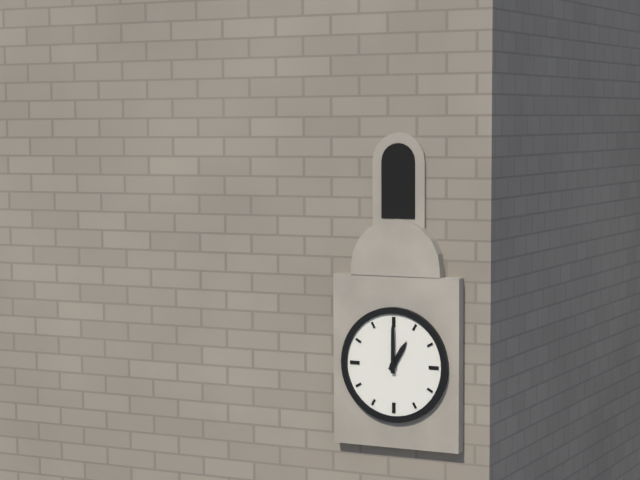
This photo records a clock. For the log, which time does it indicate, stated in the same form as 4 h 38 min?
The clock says 1 h 00 min
